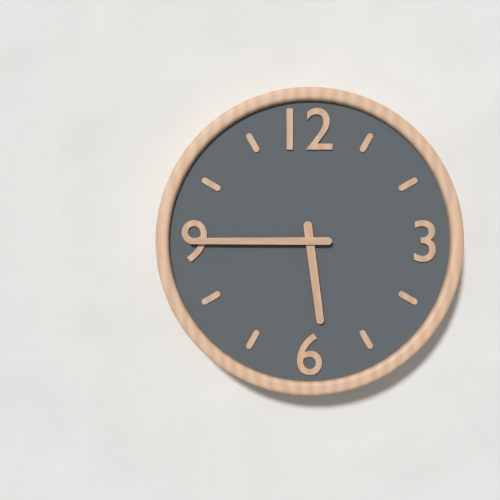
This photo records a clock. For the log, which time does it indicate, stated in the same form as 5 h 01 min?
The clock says 5 h 45 min
